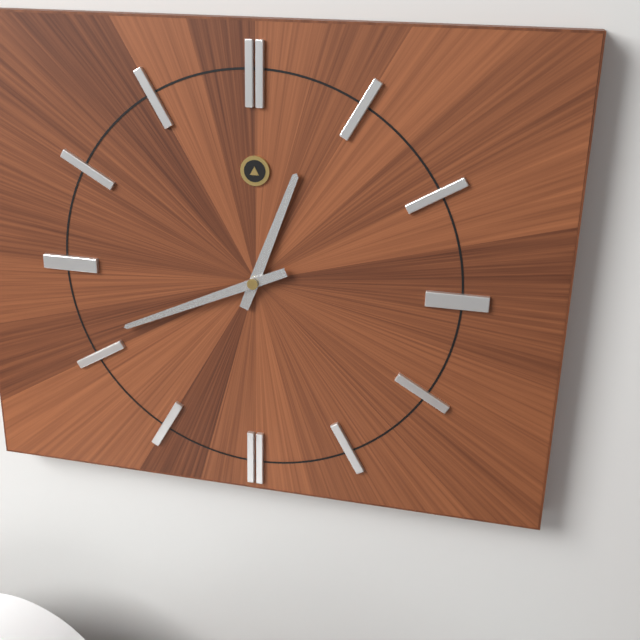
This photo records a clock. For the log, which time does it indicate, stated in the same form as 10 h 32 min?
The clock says 12 h 41 min
